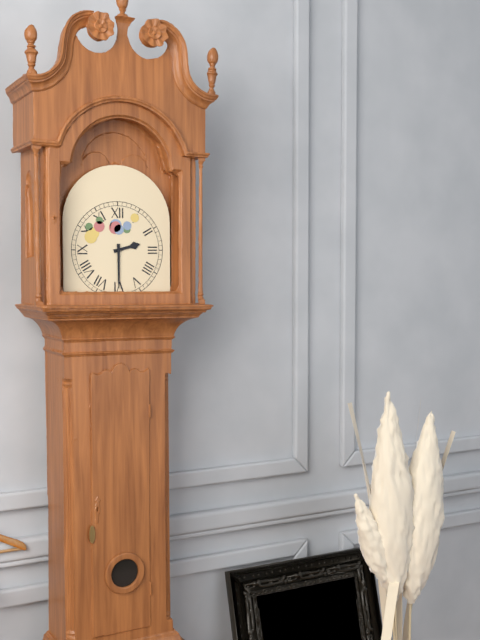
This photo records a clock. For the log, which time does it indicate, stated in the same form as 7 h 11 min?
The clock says 2 h 30 min
